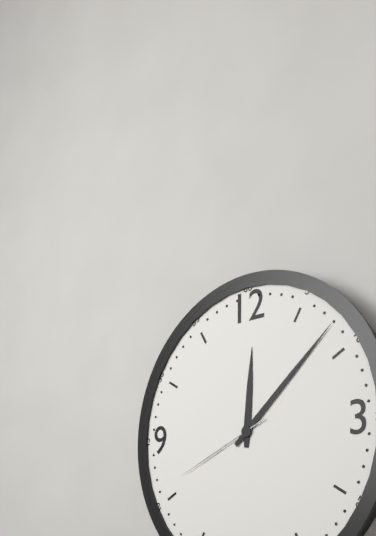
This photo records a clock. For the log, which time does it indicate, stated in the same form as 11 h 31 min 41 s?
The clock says 12 h 08 min 41 s
